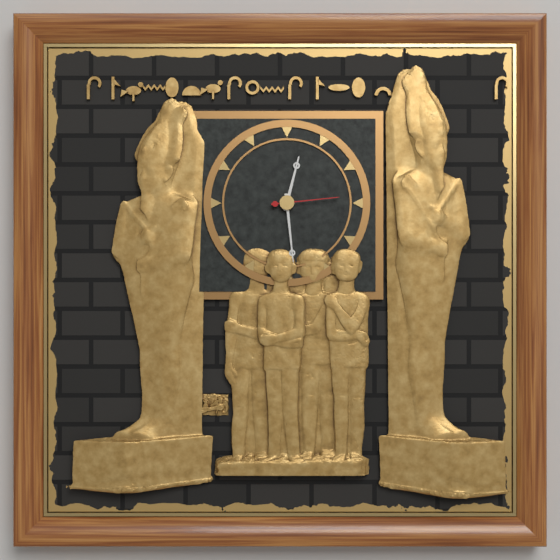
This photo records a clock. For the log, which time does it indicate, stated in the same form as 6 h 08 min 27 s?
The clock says 12 h 29 min 14 s
